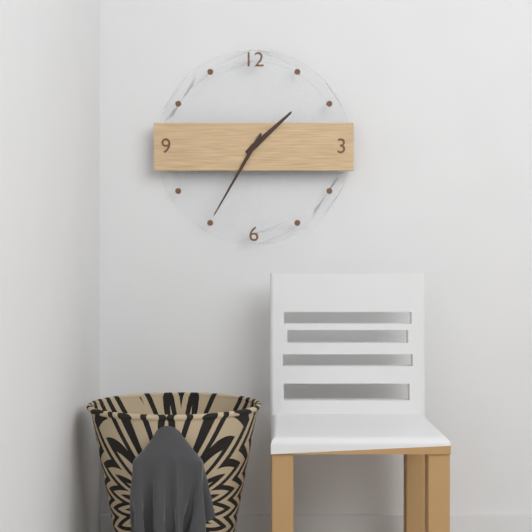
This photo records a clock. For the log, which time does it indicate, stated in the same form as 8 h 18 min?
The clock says 1 h 35 min
